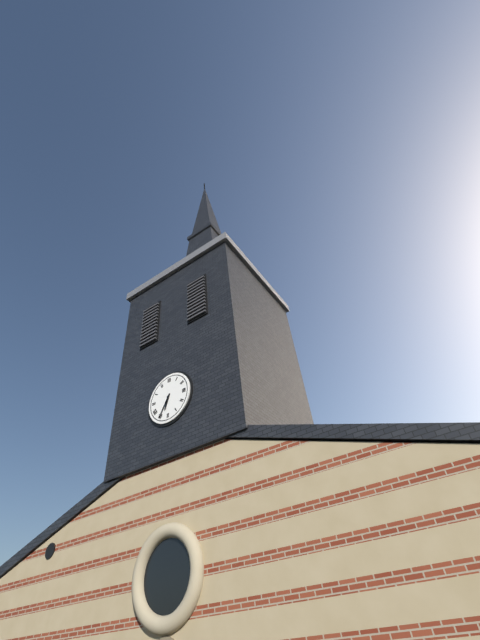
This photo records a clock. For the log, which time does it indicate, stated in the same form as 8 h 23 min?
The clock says 6 h 35 min
